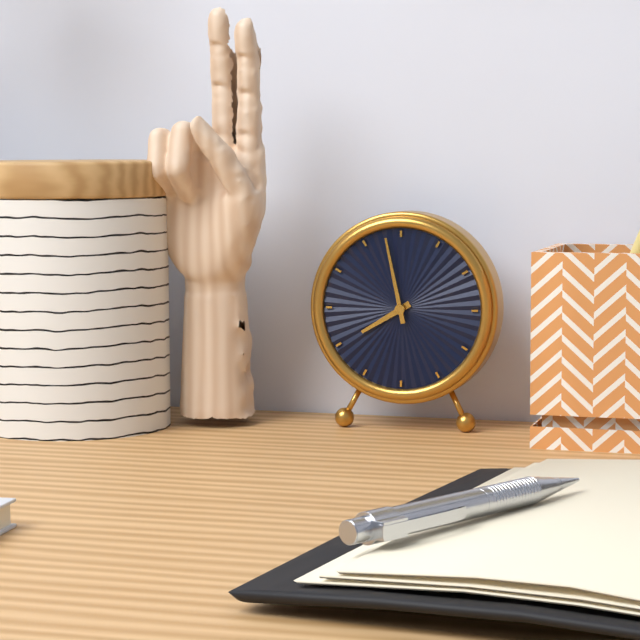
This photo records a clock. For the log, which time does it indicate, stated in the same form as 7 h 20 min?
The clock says 7 h 58 min
